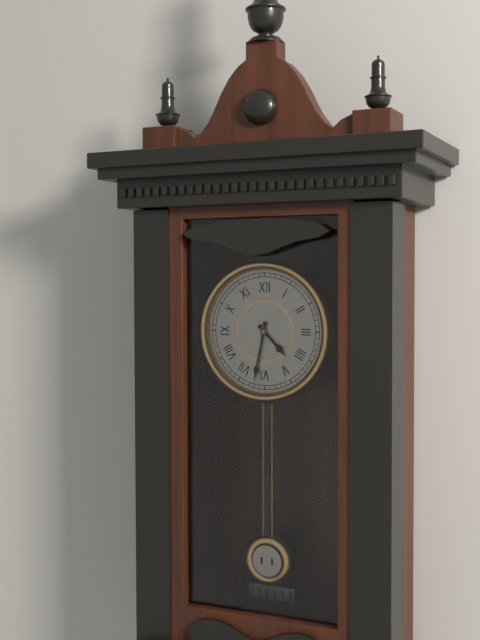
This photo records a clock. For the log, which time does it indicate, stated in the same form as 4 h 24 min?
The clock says 4 h 32 min
